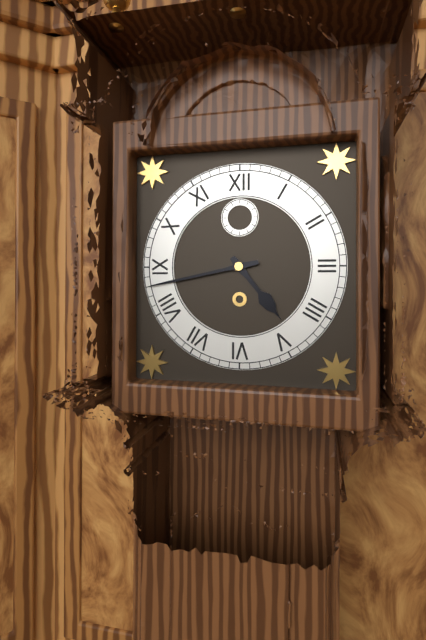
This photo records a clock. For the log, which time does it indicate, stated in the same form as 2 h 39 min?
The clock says 4 h 43 min
